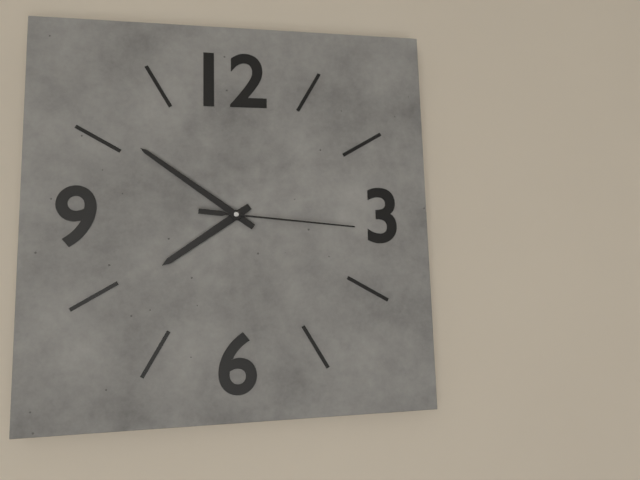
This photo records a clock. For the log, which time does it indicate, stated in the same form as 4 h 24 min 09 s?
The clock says 7 h 51 min 16 s
